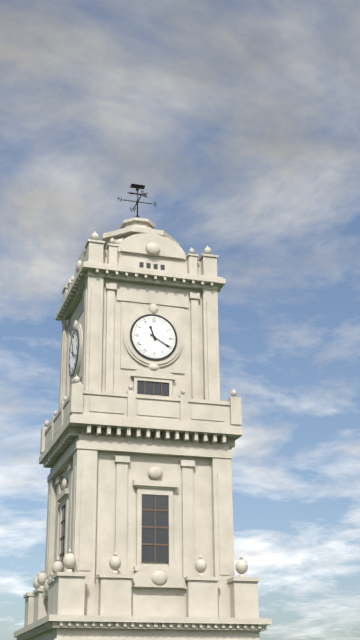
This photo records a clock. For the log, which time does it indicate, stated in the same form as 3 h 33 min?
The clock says 11 h 20 min
